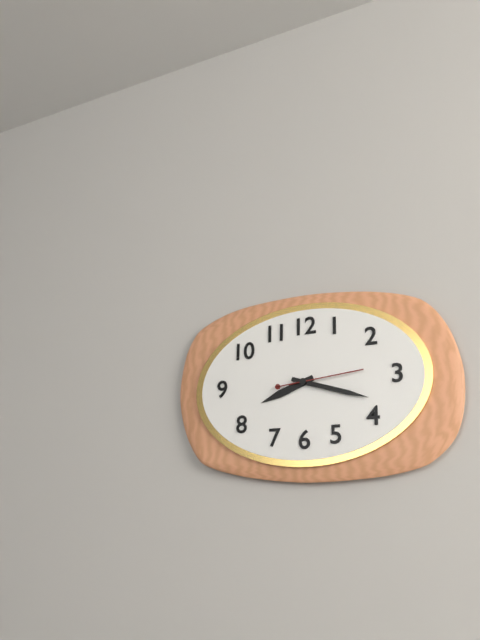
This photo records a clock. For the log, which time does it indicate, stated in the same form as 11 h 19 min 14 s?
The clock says 8 h 18 min 14 s
